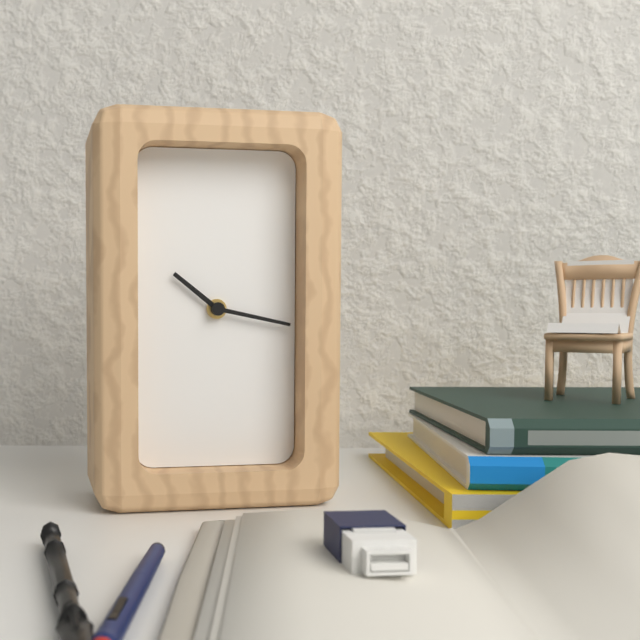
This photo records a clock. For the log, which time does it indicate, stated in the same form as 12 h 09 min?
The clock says 10 h 17 min
